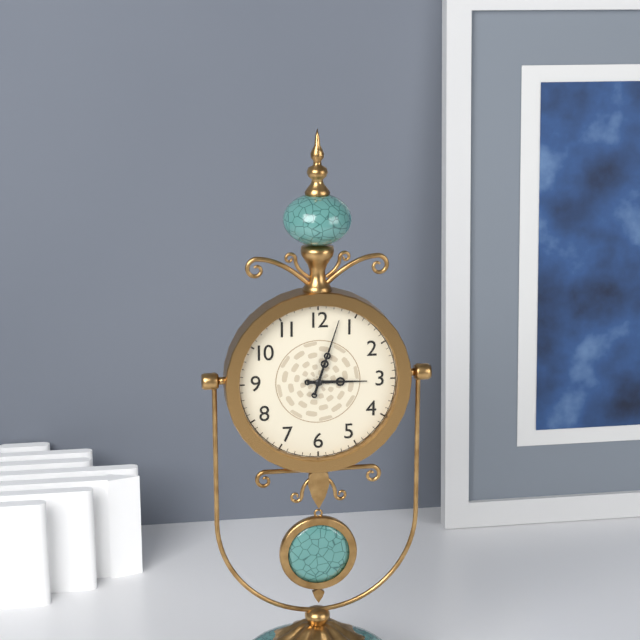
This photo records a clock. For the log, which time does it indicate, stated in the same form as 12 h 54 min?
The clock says 3 h 03 min
